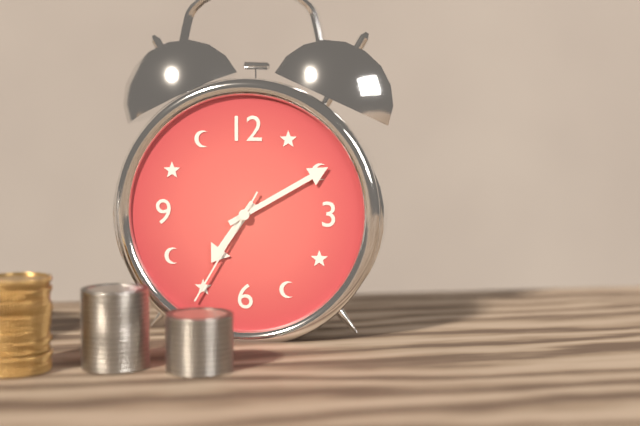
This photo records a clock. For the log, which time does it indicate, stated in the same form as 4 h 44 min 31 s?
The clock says 7 h 10 min 35 s
